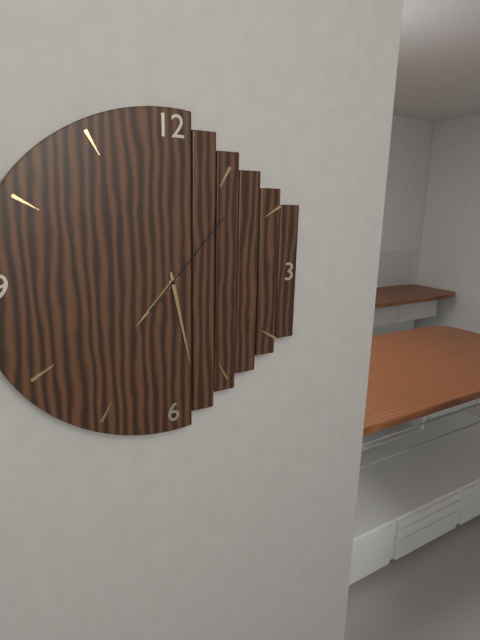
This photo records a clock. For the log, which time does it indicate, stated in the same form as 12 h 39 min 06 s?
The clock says 7 h 28 min 07 s
